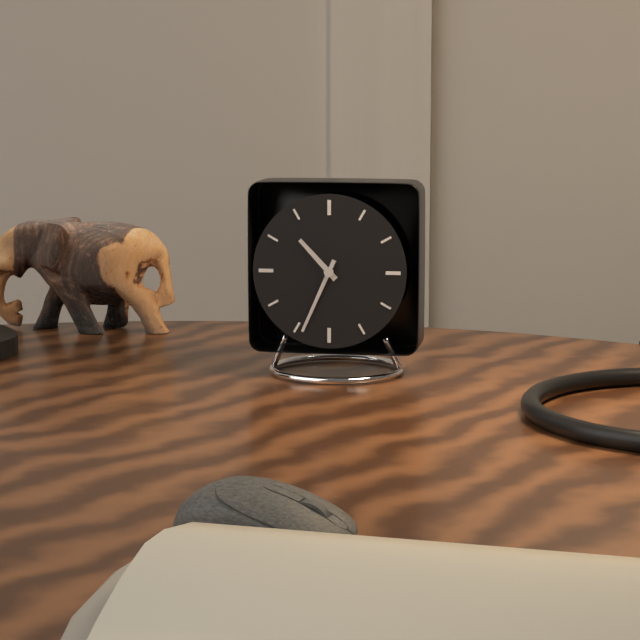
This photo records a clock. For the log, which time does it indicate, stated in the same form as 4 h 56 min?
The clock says 10 h 34 min
